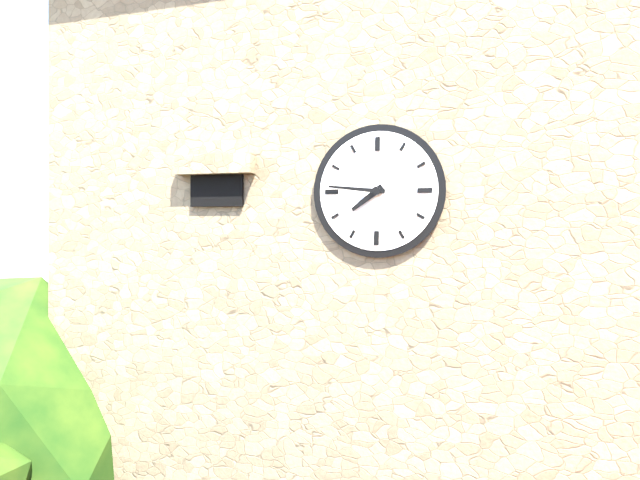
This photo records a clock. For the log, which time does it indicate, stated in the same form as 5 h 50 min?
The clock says 7 h 46 min
